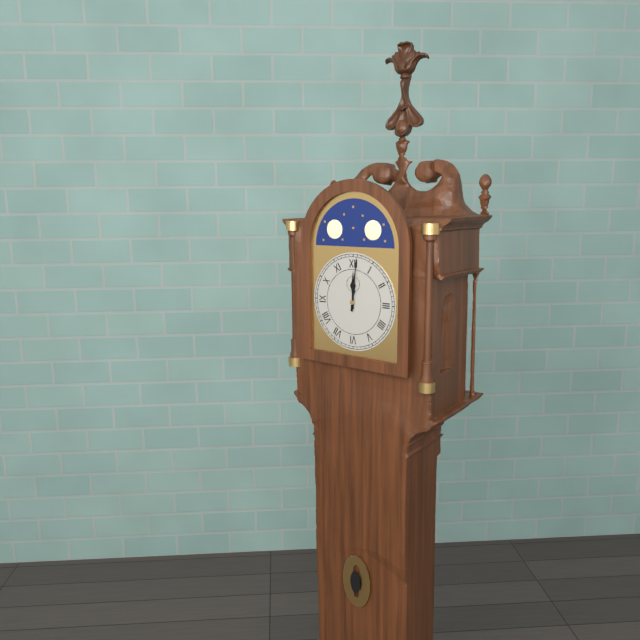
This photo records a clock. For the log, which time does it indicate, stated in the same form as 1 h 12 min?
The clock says 12 h 01 min
